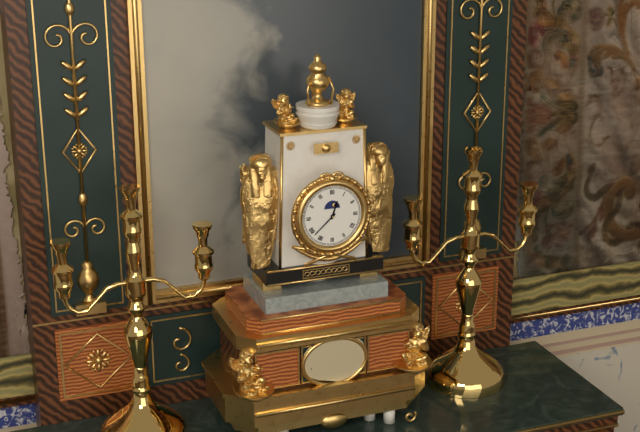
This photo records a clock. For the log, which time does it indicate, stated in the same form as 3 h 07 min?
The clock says 12 h 38 min
